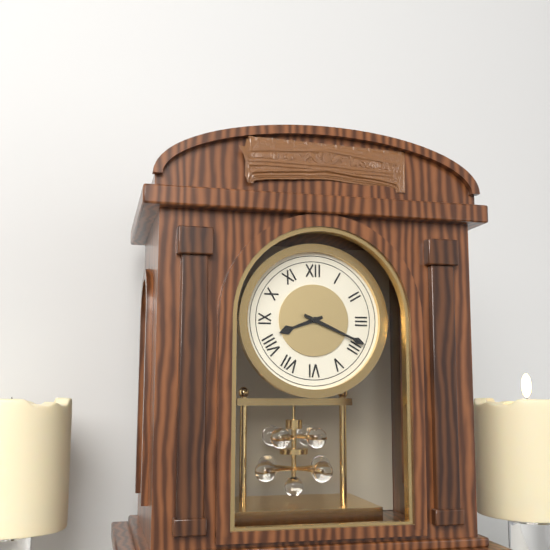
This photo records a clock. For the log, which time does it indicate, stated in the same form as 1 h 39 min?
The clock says 8 h 19 min
